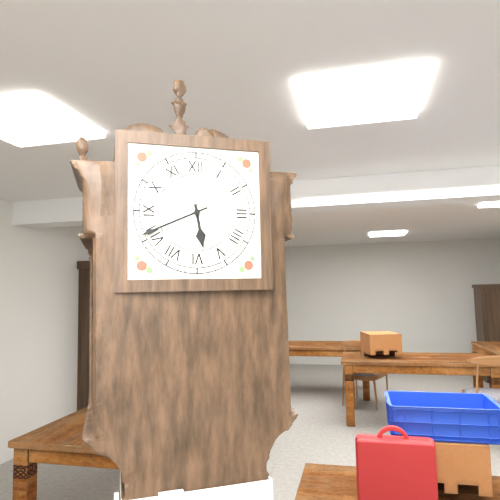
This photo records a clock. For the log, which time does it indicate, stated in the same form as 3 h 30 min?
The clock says 5 h 41 min
